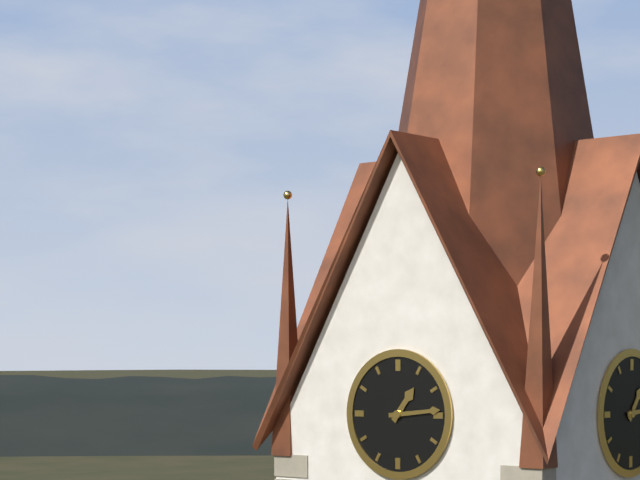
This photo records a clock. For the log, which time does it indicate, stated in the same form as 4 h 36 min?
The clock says 1 h 14 min
